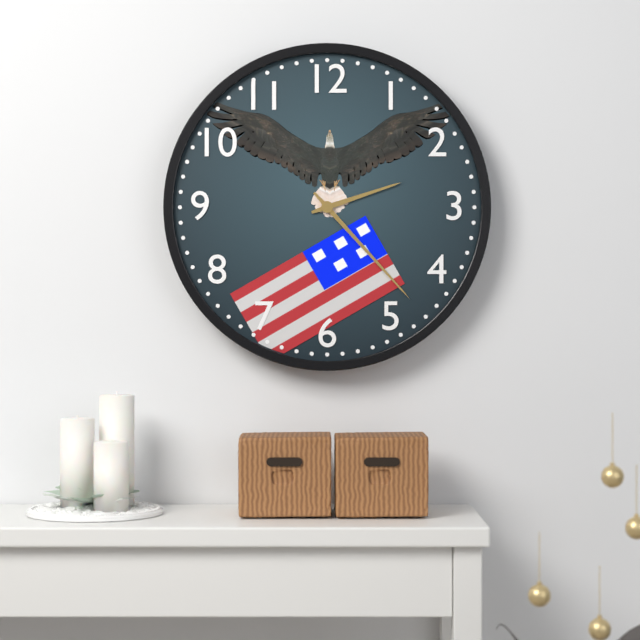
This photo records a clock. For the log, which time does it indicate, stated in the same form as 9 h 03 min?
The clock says 2 h 23 min
